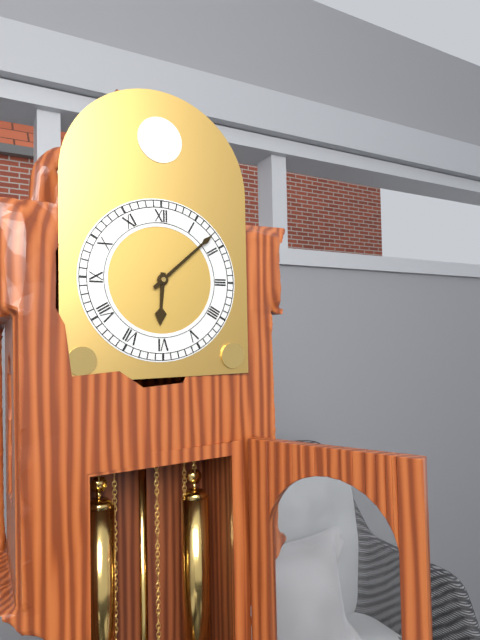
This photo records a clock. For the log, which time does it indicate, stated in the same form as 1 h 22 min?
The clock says 6 h 08 min
